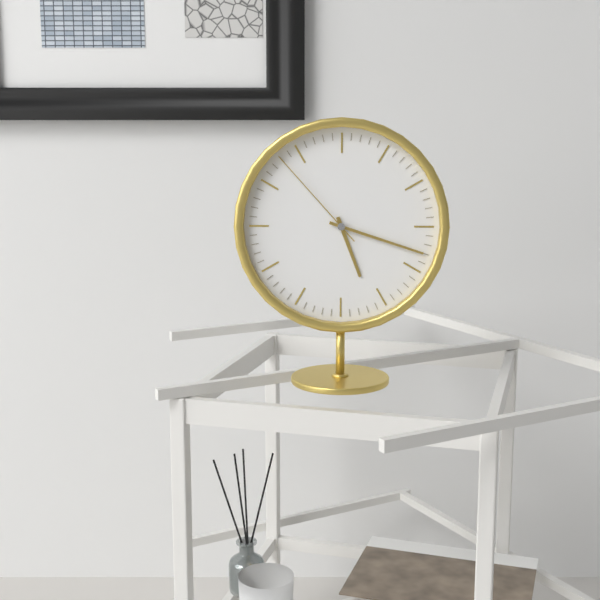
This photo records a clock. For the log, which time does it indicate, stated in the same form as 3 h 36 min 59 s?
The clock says 5 h 18 min 53 s
